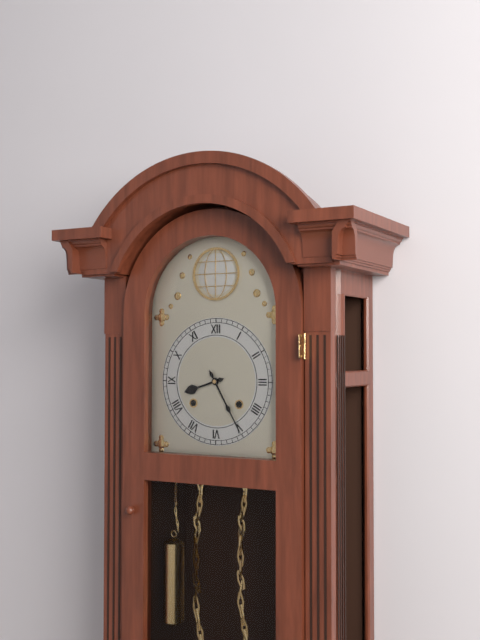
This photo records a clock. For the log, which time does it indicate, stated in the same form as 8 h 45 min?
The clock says 8 h 25 min
